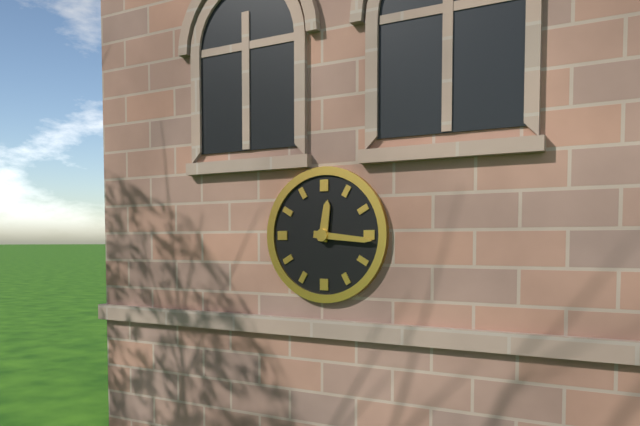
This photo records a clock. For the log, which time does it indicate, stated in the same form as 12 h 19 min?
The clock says 12 h 16 min
